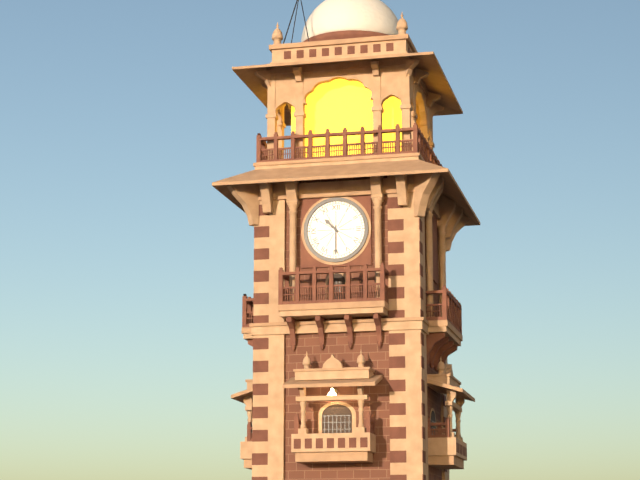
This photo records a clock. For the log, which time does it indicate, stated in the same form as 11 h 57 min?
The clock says 10 h 30 min
